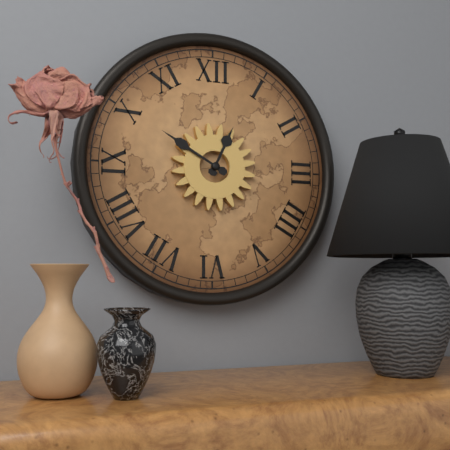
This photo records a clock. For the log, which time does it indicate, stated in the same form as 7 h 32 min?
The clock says 12 h 50 min
